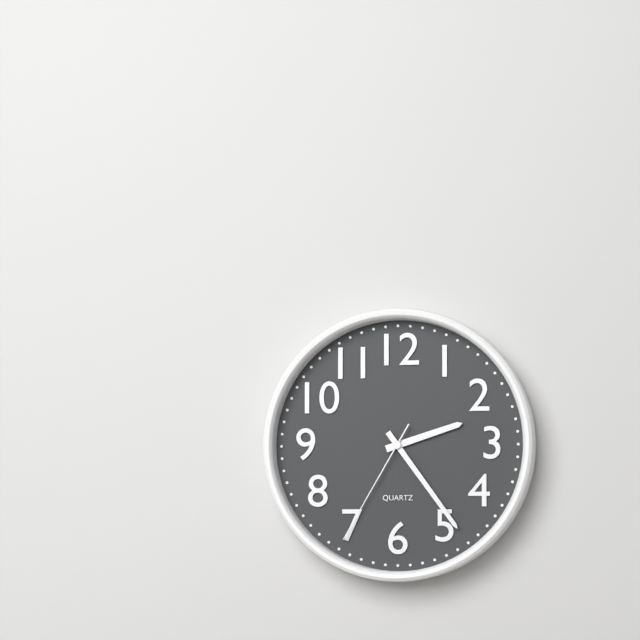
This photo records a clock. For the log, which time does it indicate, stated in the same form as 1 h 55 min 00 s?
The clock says 2 h 24 min 35 s
